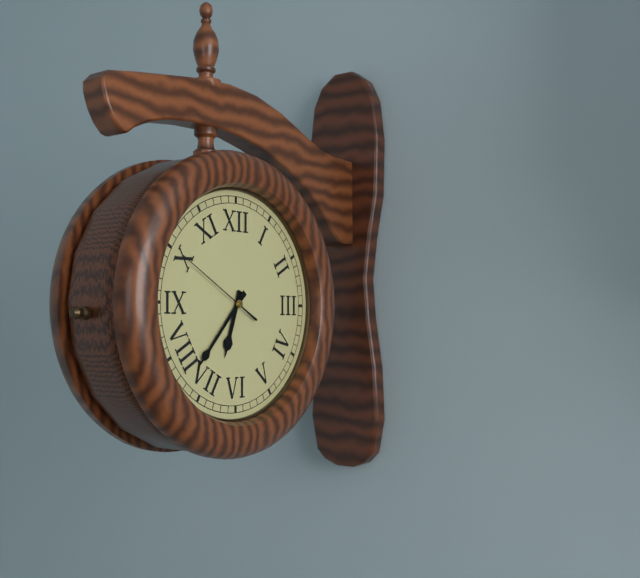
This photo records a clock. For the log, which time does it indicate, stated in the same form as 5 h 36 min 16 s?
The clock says 6 h 37 min 50 s
